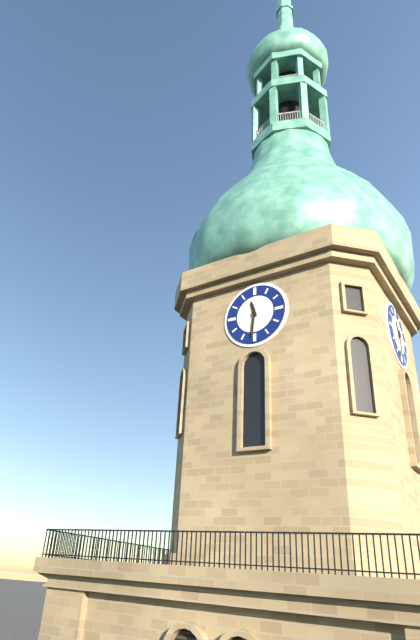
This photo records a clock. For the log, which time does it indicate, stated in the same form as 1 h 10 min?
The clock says 11 h 31 min
